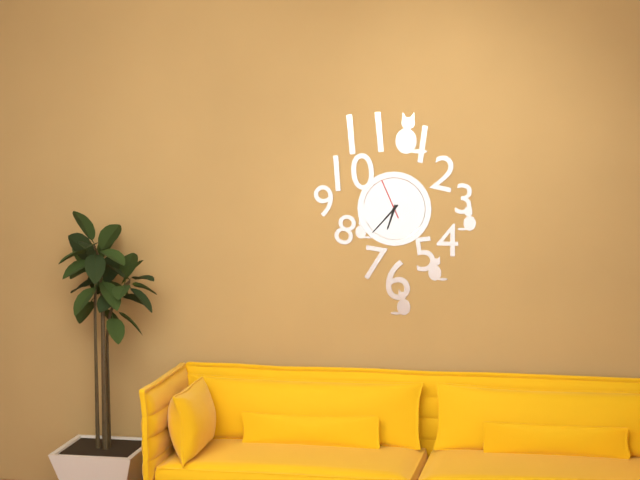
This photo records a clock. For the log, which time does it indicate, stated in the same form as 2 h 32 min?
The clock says 6 h 37 min
